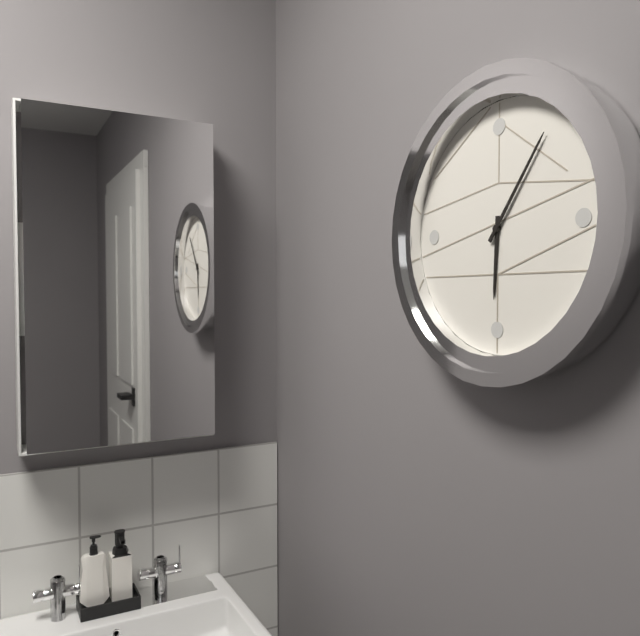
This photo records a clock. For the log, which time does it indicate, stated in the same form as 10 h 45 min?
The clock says 6 h 06 min
